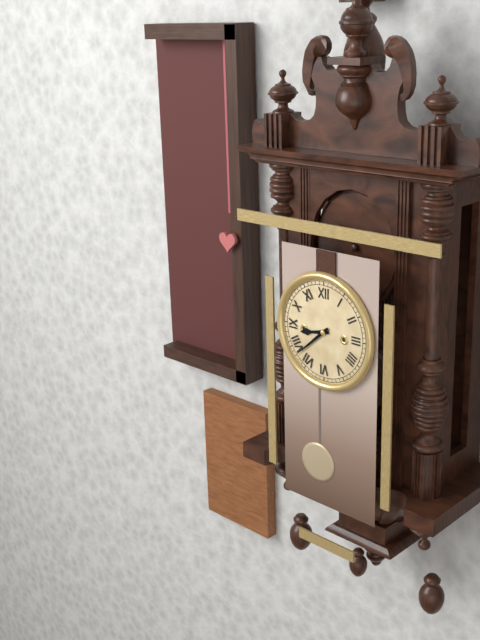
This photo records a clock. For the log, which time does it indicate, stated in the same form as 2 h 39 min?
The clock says 8 h 38 min
